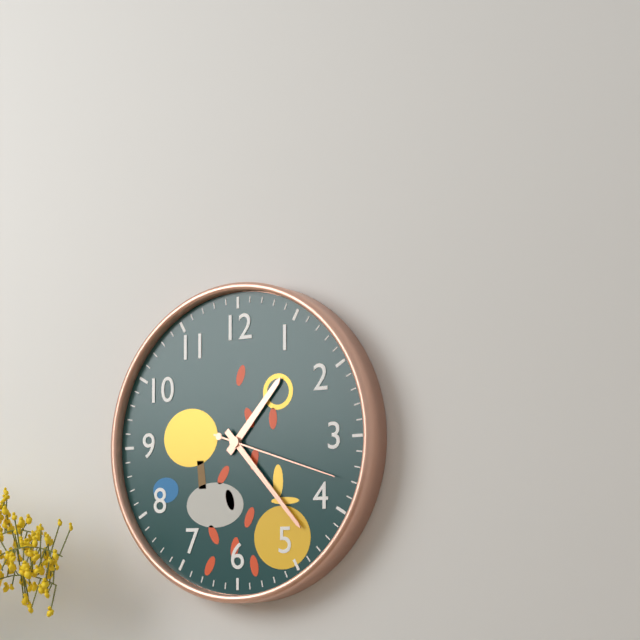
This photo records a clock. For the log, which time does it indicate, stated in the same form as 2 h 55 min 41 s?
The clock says 1 h 23 min 18 s
